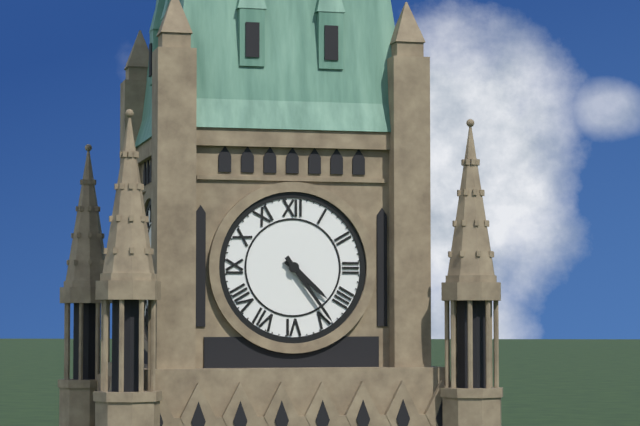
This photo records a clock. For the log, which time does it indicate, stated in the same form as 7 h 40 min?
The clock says 4 h 24 min
